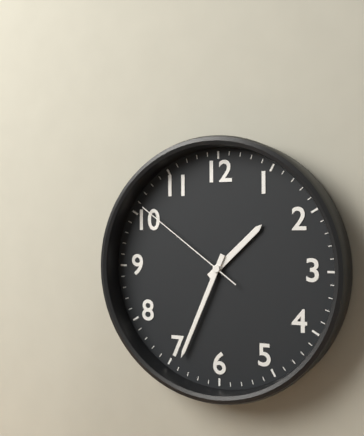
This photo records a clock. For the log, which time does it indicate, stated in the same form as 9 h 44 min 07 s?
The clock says 1 h 34 min 51 s
